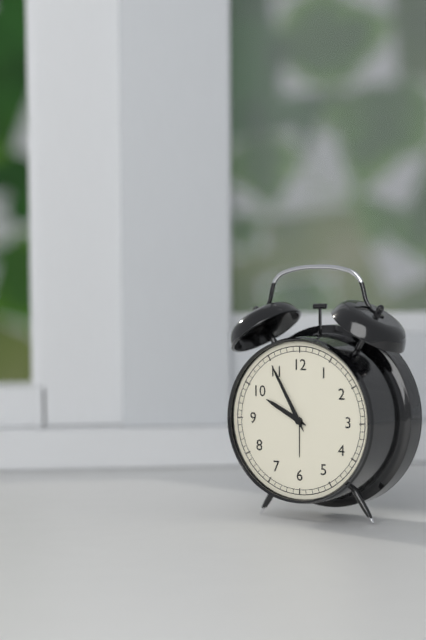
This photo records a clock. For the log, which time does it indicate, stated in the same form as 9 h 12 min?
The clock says 9 h 55 min
